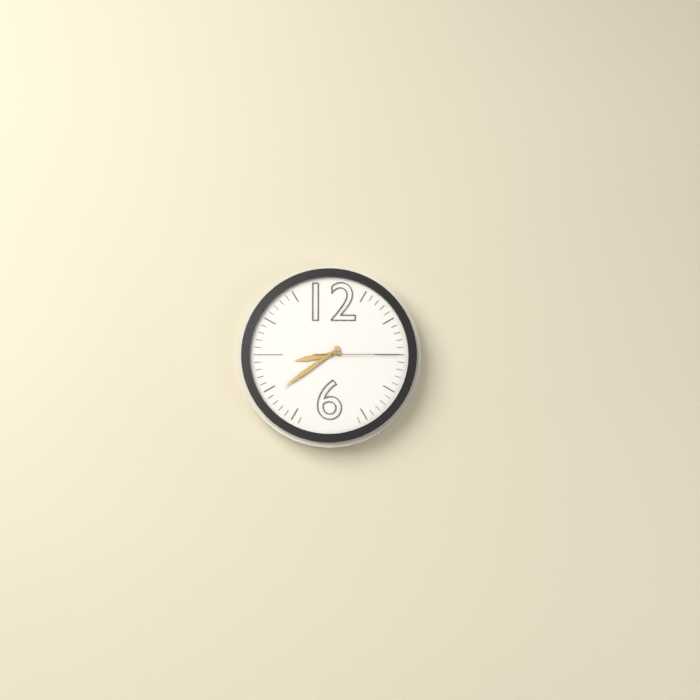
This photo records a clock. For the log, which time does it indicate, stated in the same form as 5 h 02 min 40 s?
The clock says 8 h 39 min 15 s
